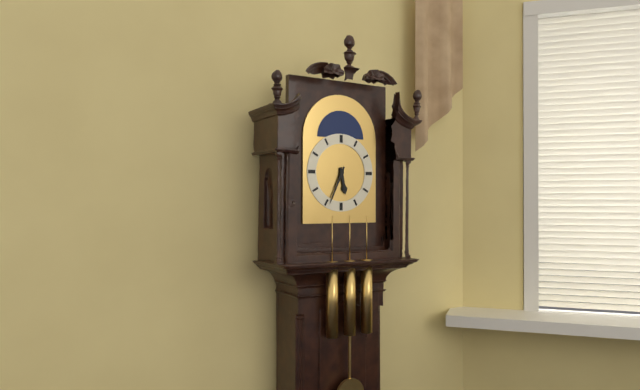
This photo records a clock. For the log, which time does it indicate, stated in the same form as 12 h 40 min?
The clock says 5 h 34 min
